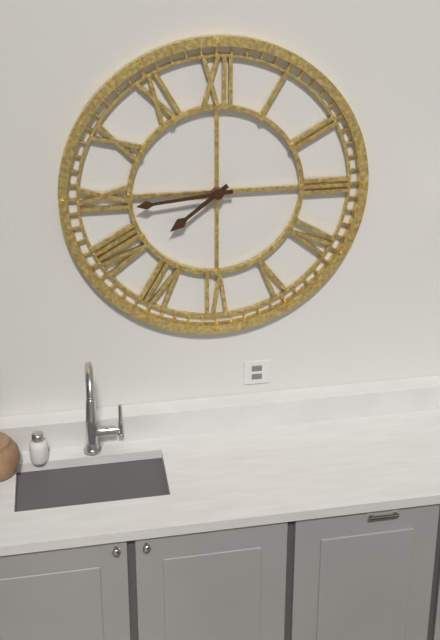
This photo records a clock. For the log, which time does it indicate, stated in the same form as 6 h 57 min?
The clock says 7 h 44 min
